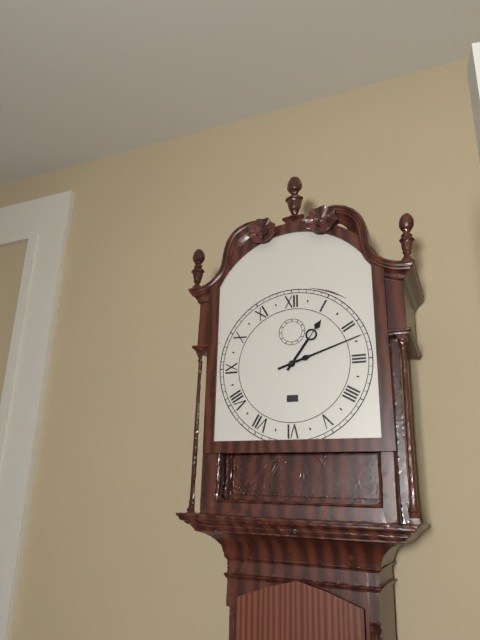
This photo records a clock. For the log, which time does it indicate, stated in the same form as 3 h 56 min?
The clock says 1 h 12 min
